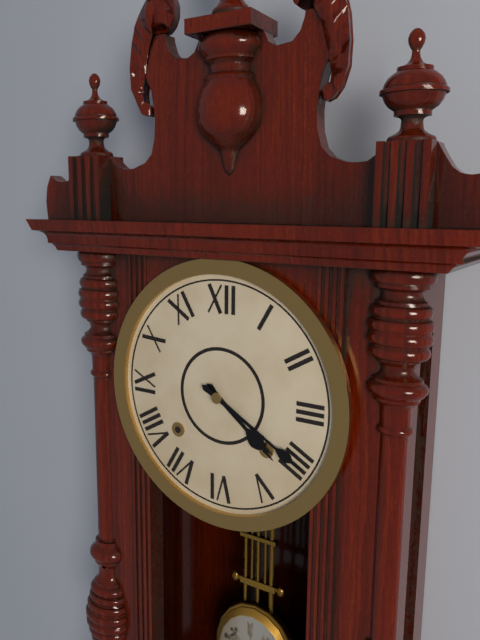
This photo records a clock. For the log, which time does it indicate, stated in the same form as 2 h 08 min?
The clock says 4 h 20 min
